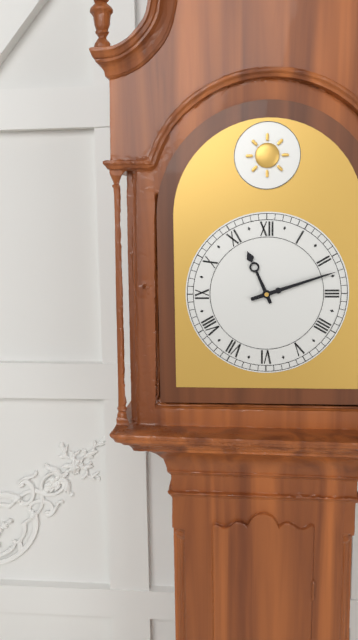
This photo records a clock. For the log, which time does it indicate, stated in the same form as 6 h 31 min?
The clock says 11 h 12 min
